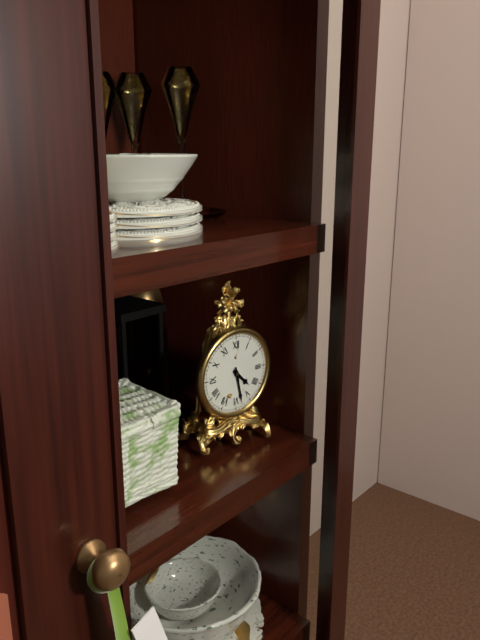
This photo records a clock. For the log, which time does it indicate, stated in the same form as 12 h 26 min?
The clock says 4 h 28 min
